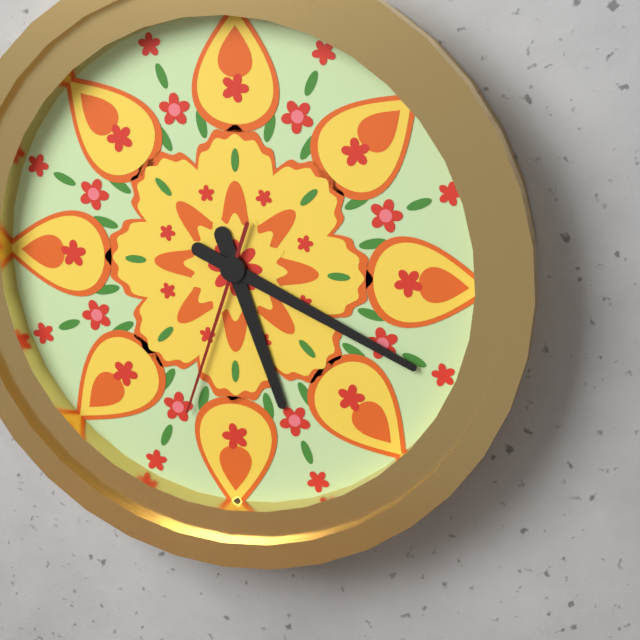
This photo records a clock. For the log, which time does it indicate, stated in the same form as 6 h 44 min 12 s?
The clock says 5 h 19 min 33 s
